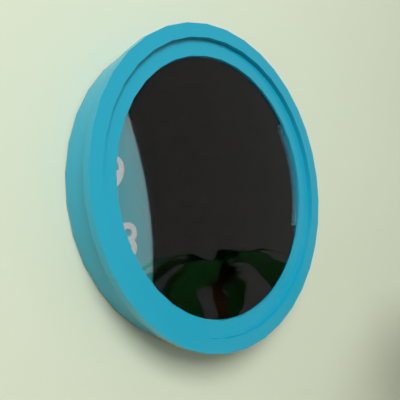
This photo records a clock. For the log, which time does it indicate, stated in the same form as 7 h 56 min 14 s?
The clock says 4 h 23 min 07 s
